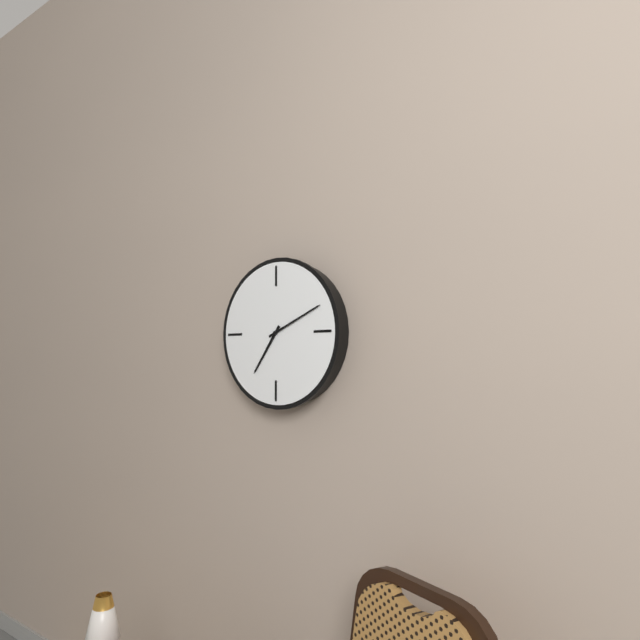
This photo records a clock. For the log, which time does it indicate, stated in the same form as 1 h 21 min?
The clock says 7 h 11 min
